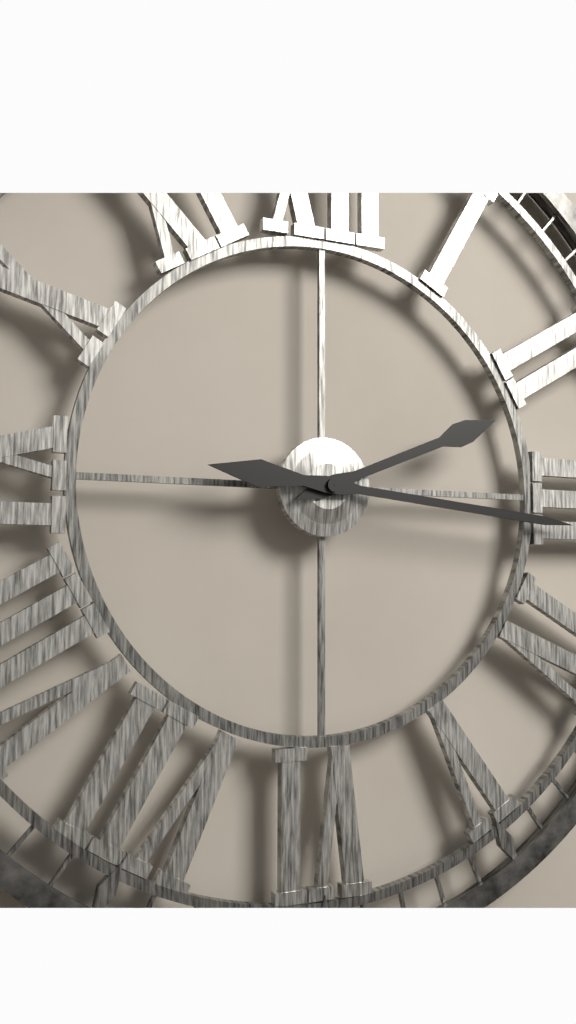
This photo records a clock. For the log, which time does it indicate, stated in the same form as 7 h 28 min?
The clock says 2 h 16 min
